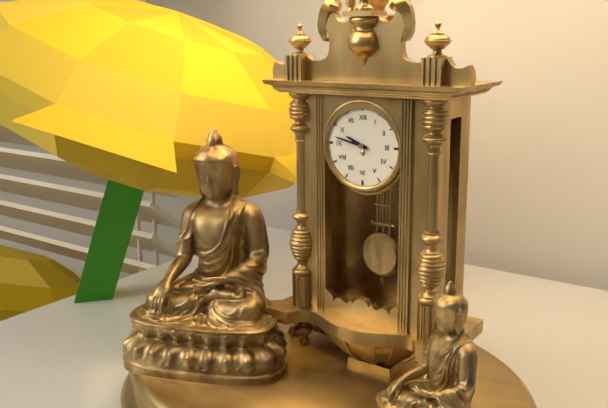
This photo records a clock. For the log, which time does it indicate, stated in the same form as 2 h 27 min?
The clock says 9 h 47 min
